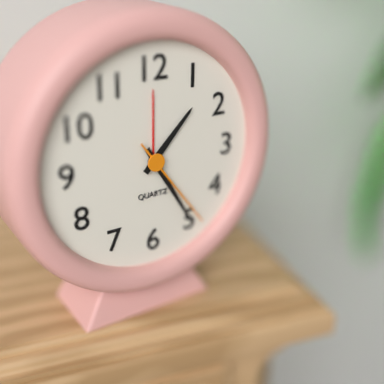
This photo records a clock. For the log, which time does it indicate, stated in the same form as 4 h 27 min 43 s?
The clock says 1 h 25 min 24 s
